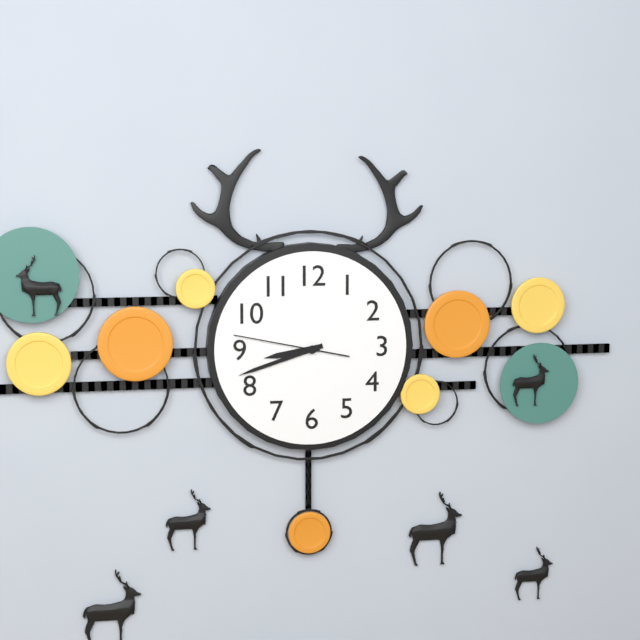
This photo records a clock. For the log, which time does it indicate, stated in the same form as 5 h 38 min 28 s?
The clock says 8 h 42 min 47 s
